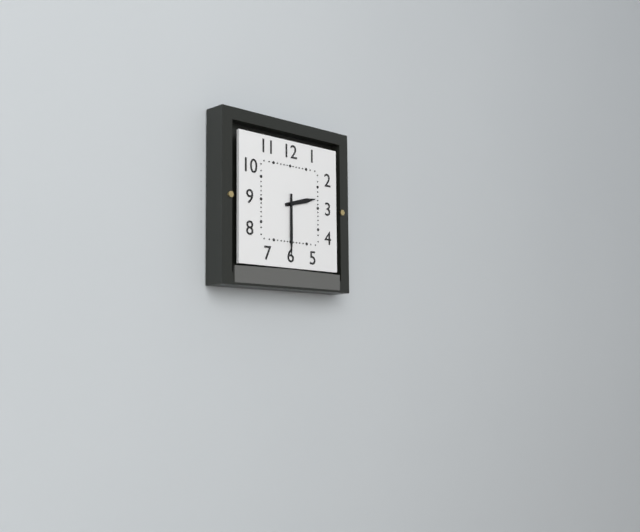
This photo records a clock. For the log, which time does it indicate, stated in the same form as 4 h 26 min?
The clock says 2 h 30 min
